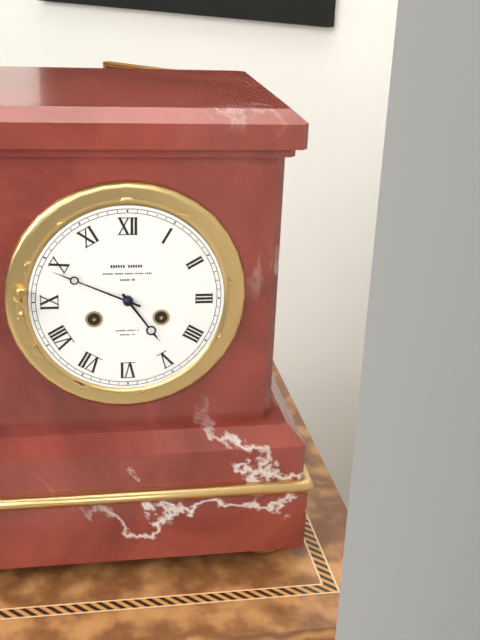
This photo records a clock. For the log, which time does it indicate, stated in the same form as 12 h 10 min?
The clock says 4 h 49 min
